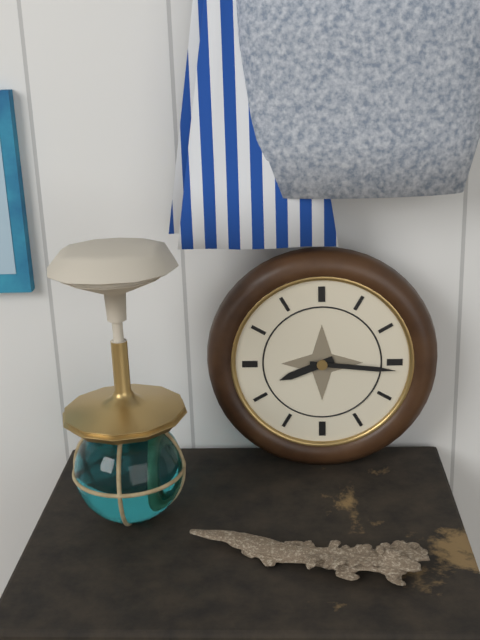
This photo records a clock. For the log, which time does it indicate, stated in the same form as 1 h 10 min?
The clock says 8 h 16 min
